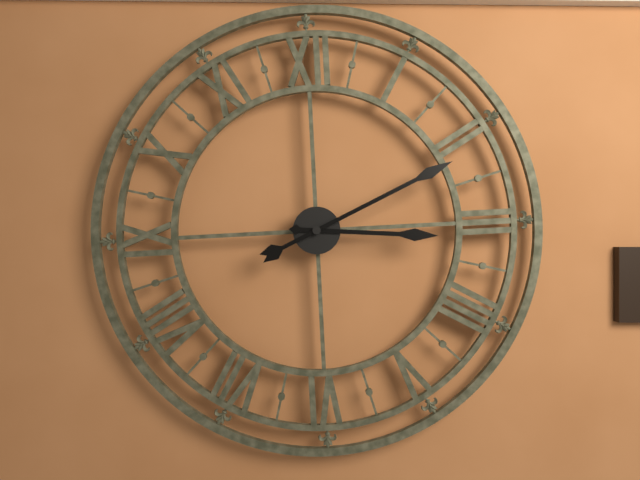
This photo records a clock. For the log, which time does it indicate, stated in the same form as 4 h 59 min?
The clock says 3 h 11 min
